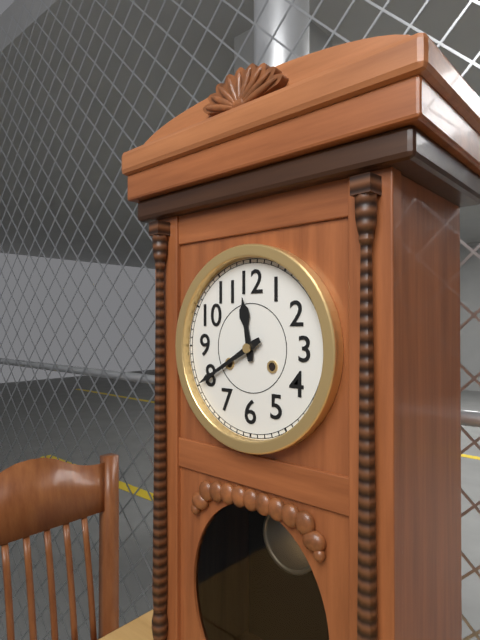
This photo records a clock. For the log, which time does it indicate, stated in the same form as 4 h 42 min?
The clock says 11 h 40 min
